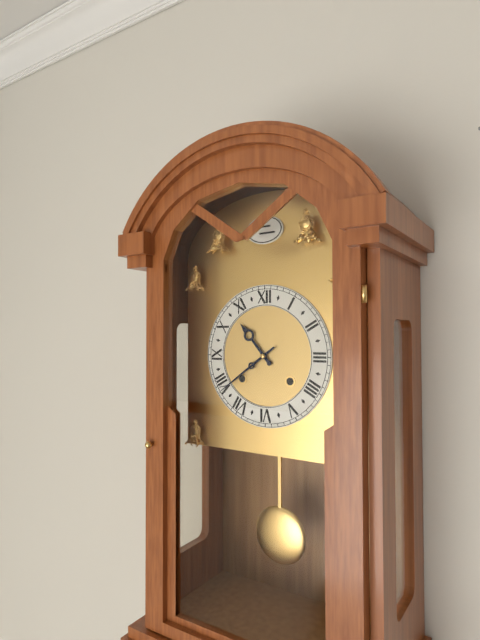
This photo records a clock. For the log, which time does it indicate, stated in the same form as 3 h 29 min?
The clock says 10 h 39 min
